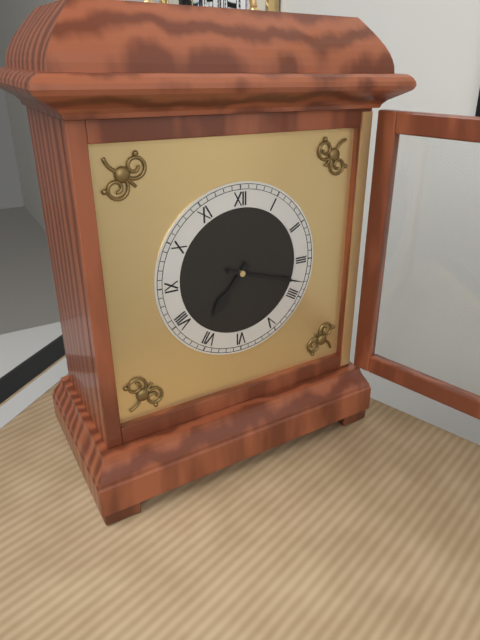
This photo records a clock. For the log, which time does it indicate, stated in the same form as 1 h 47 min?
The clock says 7 h 18 min
